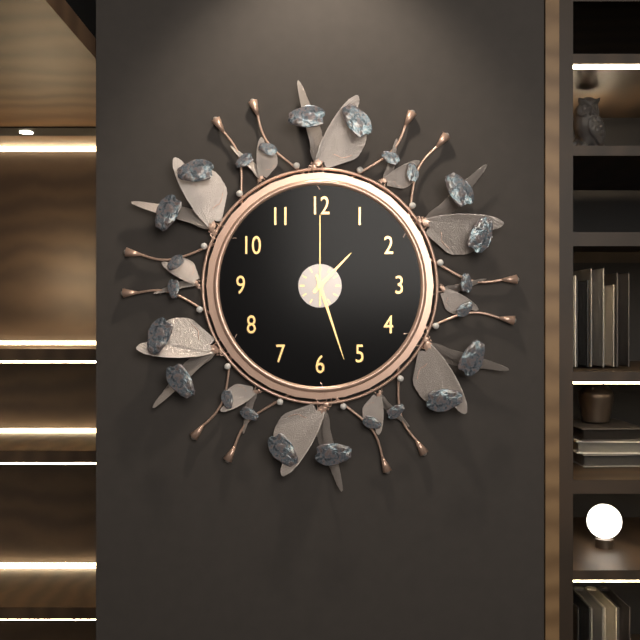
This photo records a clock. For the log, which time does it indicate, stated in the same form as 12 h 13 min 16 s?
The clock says 1 h 27 min 00 s
